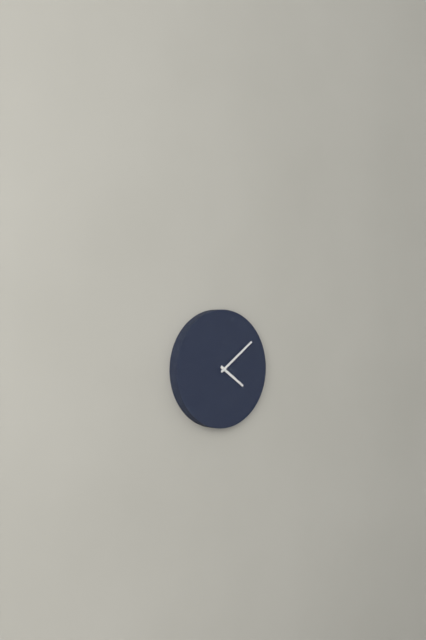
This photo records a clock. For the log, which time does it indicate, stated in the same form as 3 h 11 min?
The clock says 4 h 09 min
